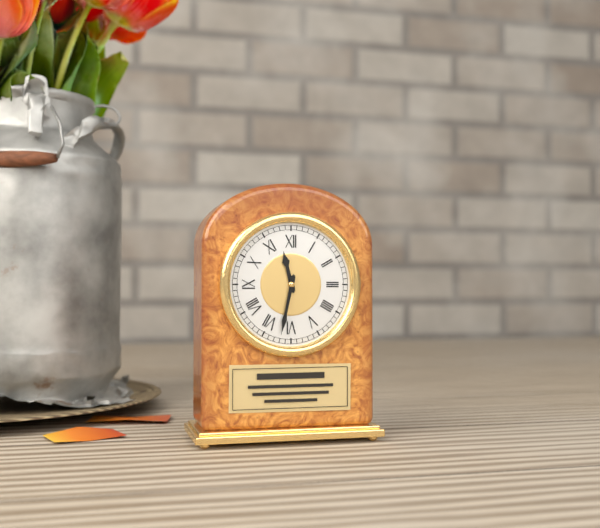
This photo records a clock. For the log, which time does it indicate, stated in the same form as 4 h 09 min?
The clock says 11 h 32 min
